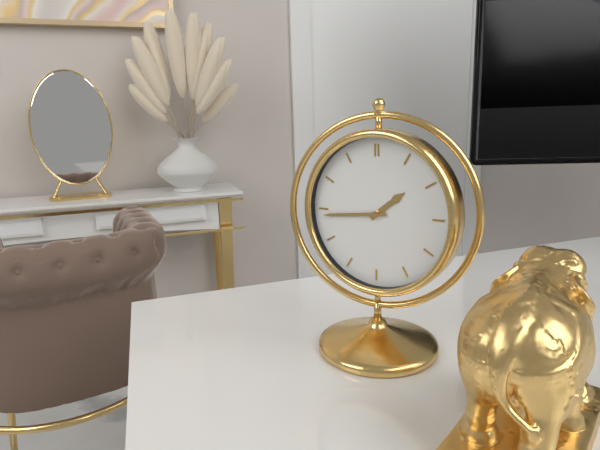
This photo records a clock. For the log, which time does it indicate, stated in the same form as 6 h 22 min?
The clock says 1 h 44 min
